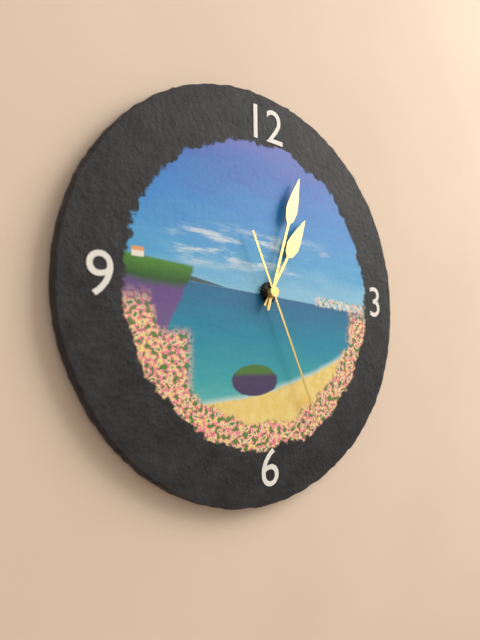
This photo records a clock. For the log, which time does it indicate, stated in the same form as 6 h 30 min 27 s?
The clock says 1 h 03 min 26 s
